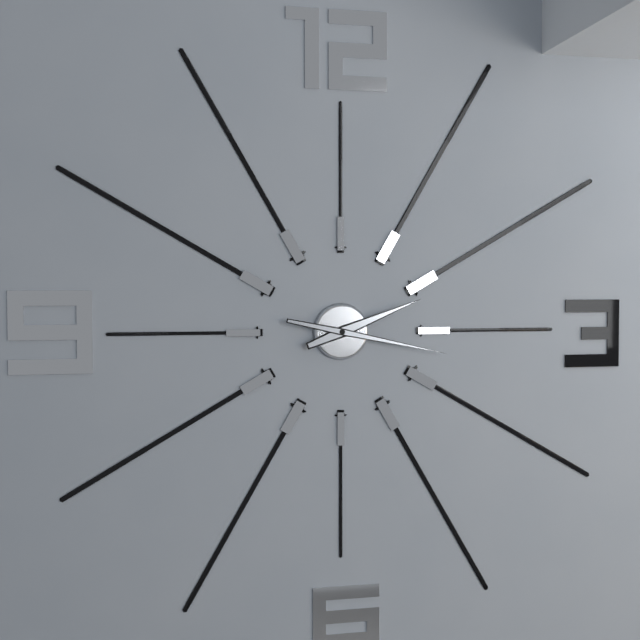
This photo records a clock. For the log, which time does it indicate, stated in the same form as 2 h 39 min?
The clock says 2 h 17 min
